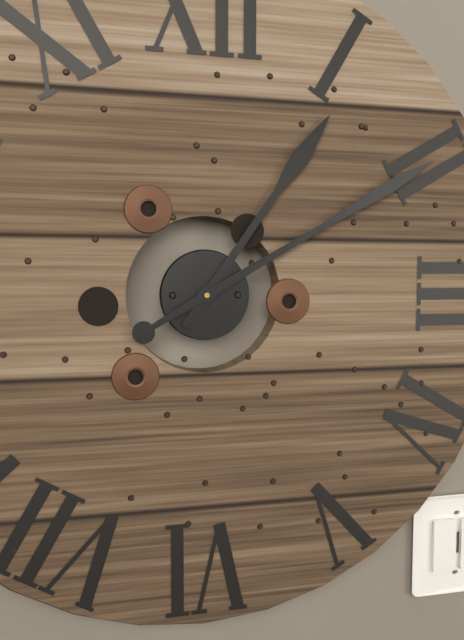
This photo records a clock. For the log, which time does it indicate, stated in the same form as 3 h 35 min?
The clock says 1 h 10 min
